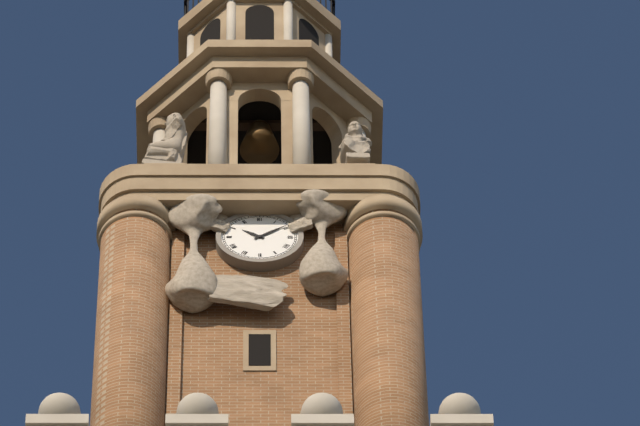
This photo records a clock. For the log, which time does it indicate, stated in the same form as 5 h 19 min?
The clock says 10 h 09 min
